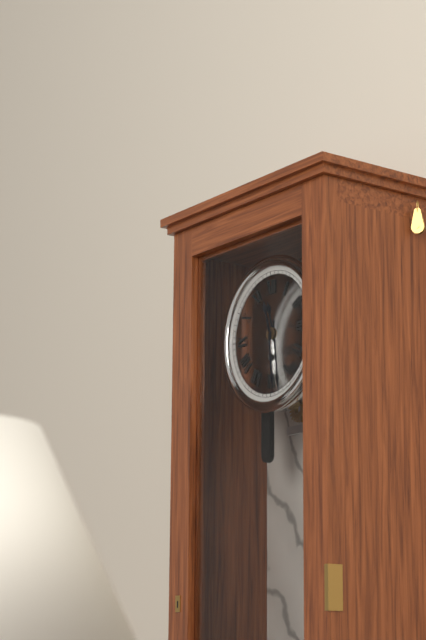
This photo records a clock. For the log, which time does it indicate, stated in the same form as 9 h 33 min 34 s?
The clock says 11 h 29 min 29 s
